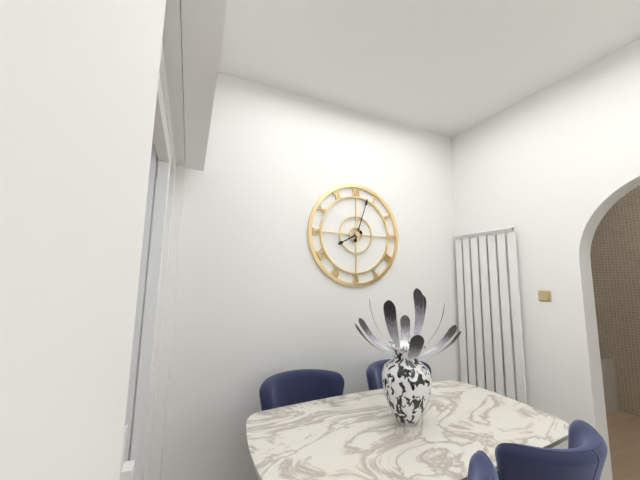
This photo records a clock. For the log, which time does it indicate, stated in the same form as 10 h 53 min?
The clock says 8 h 03 min
